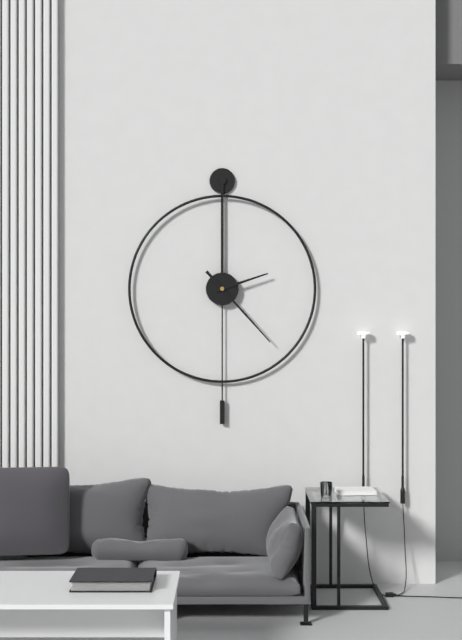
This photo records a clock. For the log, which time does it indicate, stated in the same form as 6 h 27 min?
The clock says 2 h 23 min
